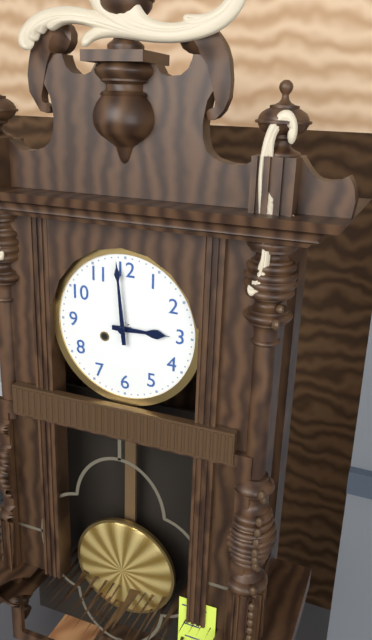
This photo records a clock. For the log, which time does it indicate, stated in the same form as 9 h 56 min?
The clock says 2 h 59 min
